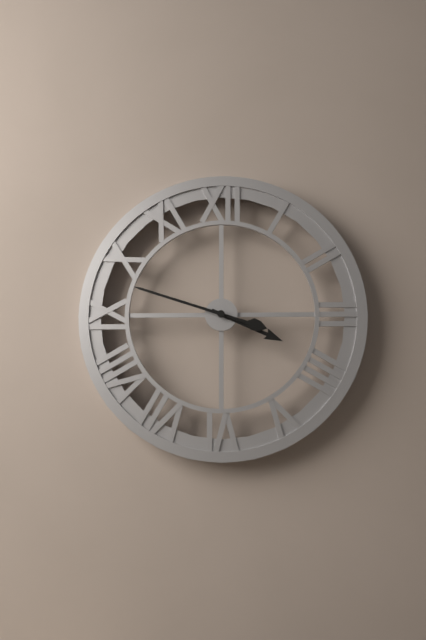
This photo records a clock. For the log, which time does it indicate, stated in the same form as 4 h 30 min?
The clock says 3 h 48 min
